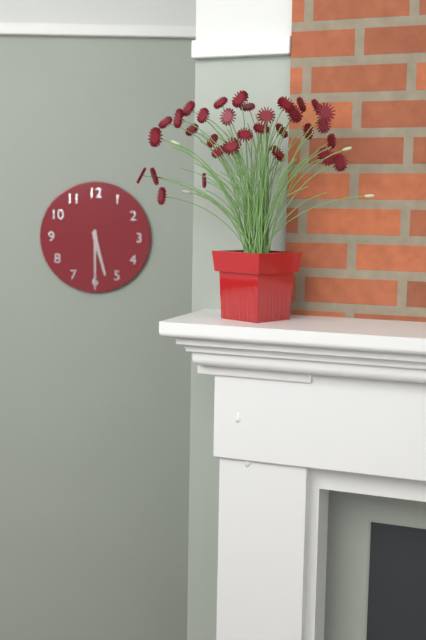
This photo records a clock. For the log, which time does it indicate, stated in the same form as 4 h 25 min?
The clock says 5 h 30 min
